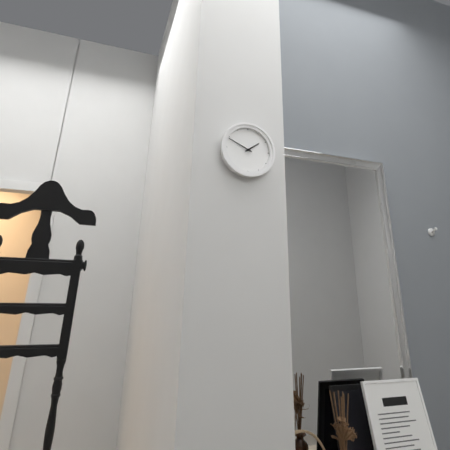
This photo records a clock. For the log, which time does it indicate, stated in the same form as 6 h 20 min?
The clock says 1 h 49 min
